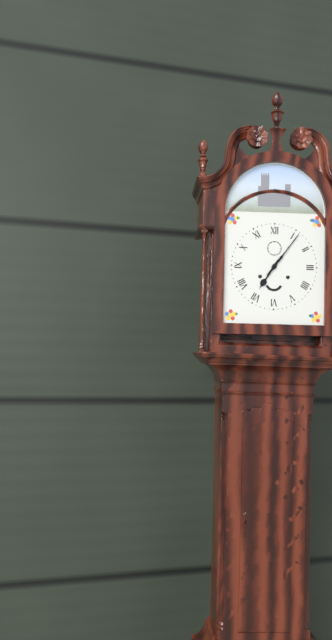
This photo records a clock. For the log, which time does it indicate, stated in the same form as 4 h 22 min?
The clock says 7 h 06 min
